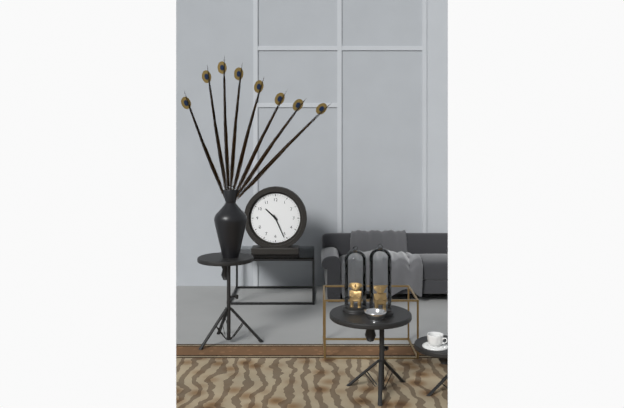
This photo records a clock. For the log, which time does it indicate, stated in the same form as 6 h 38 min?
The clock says 10 h 26 min
